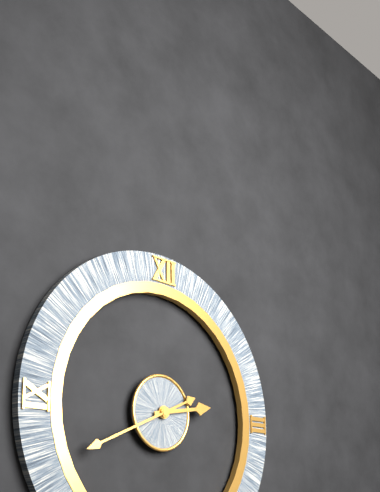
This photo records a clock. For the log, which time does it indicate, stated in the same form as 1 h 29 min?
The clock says 2 h 41 min
